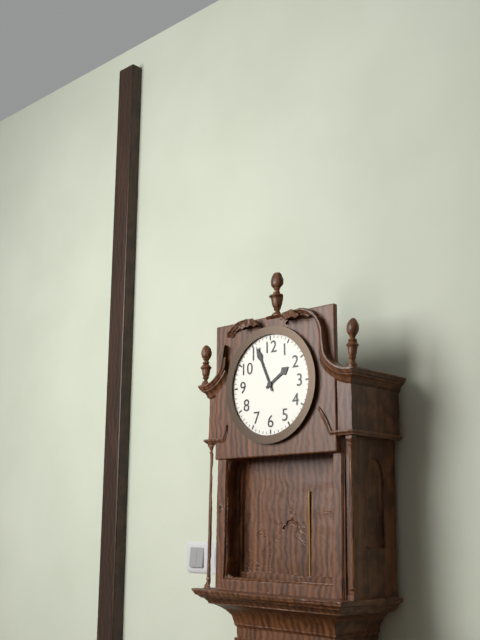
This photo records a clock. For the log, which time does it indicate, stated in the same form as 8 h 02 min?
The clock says 1 h 56 min
